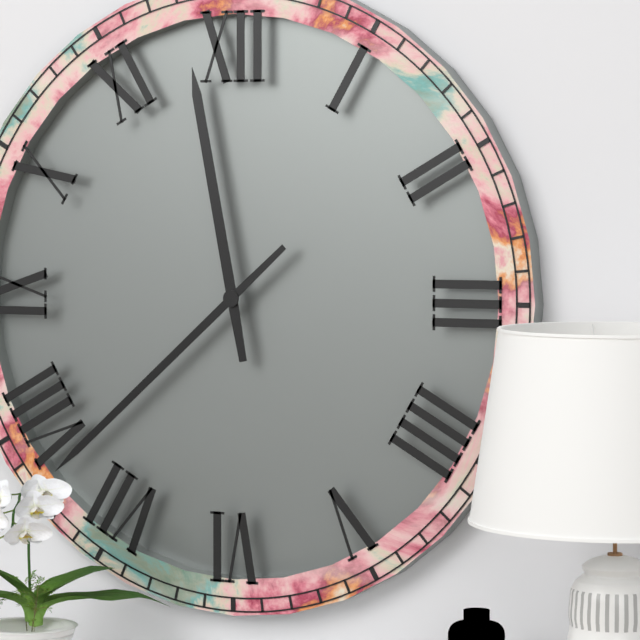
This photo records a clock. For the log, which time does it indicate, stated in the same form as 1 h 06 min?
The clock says 11 h 38 min
